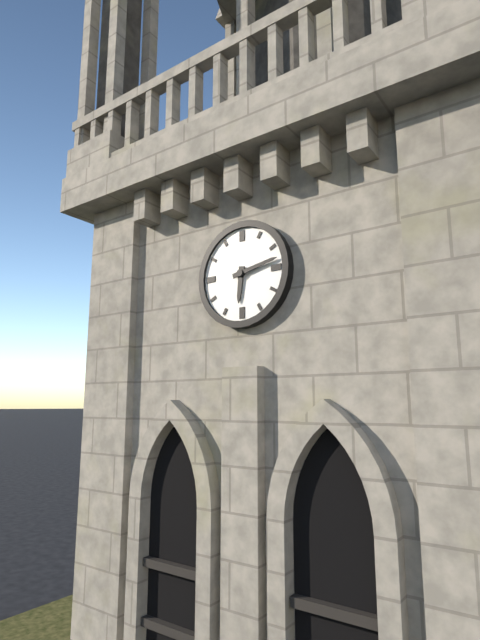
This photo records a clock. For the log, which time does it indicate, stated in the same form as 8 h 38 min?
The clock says 6 h 13 min
